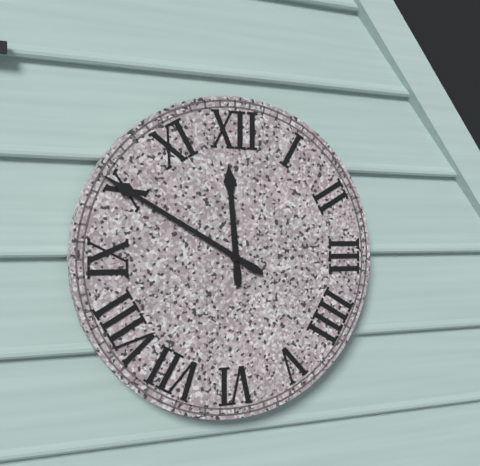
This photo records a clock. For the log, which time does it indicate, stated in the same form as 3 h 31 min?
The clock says 11 h 50 min
